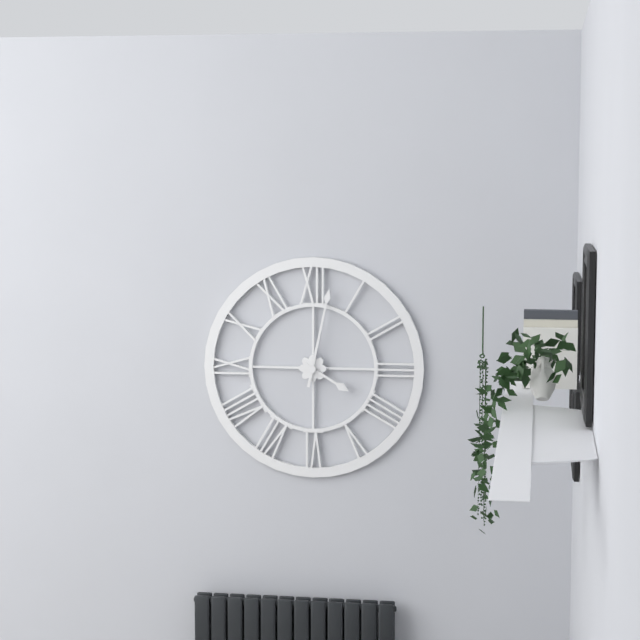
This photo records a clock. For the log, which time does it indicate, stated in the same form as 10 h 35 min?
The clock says 4 h 02 min
